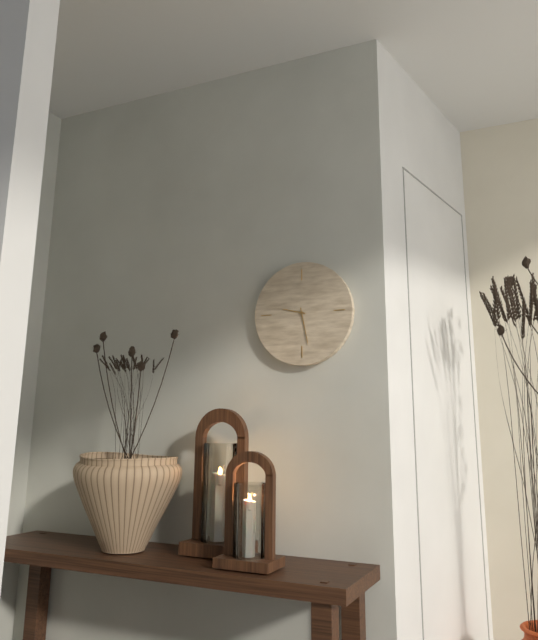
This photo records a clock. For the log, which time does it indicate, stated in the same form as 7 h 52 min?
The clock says 9 h 28 min
